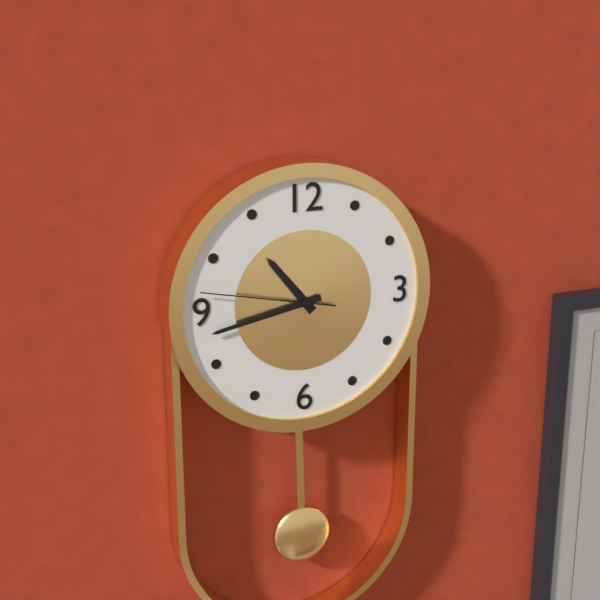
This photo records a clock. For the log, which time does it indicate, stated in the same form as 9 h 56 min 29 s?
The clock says 10 h 43 min 47 s
